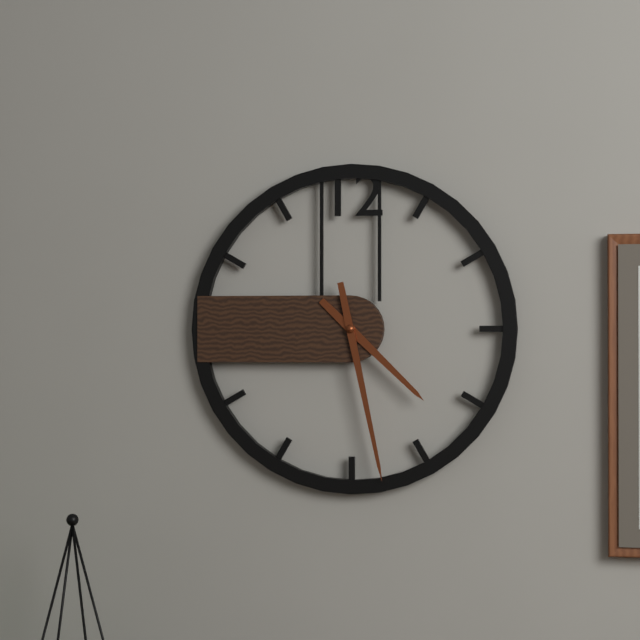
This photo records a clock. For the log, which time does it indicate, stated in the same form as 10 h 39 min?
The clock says 4 h 28 min
